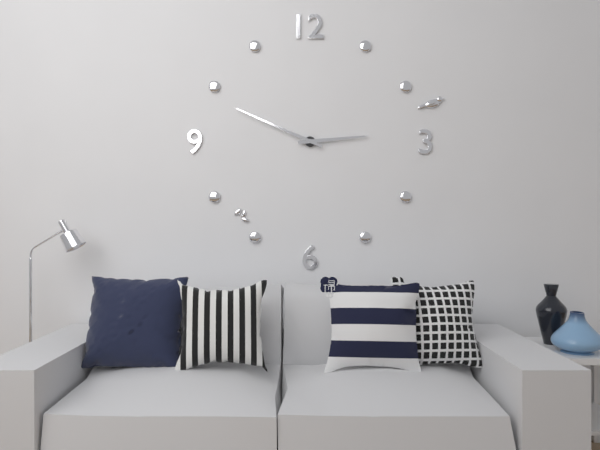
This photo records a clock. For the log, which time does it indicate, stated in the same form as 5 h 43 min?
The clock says 2 h 49 min
